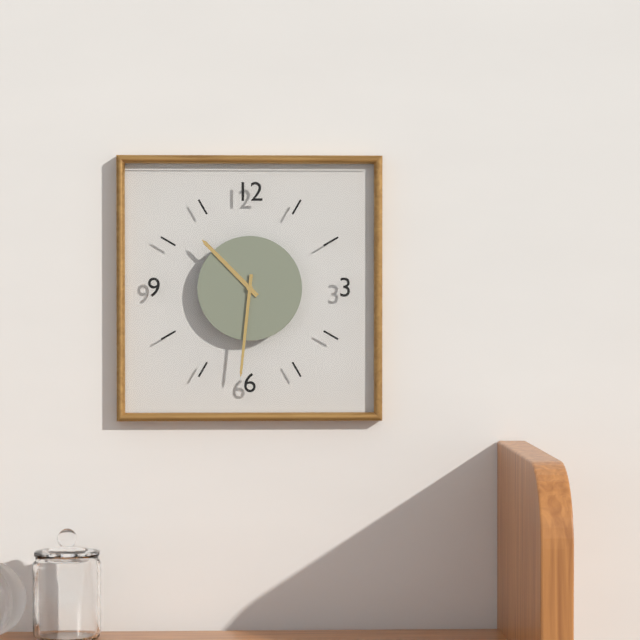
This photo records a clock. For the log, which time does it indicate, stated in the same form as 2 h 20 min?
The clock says 10 h 31 min
